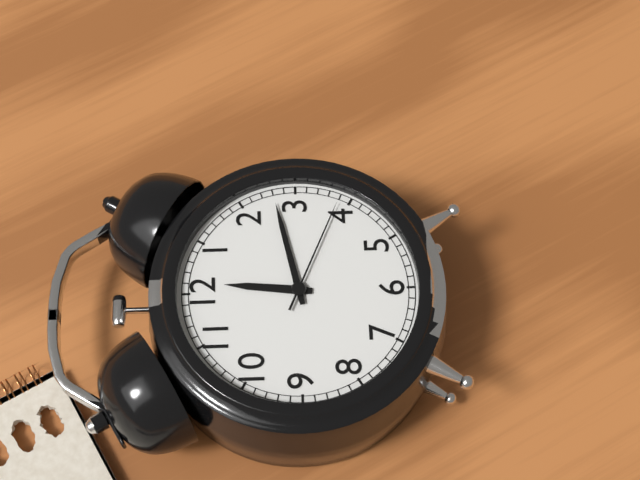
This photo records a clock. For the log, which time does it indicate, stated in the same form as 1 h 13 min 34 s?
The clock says 12 h 13 min 19 s
